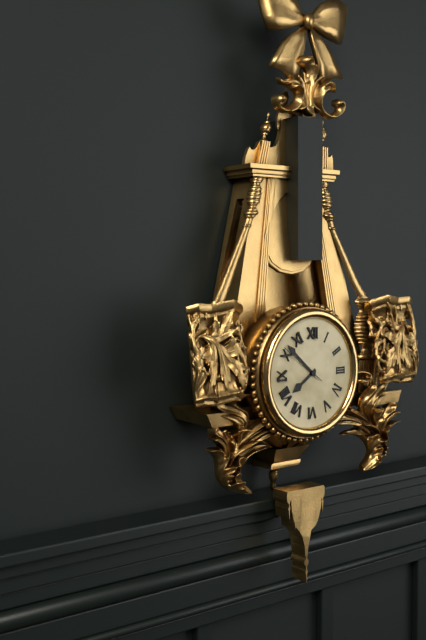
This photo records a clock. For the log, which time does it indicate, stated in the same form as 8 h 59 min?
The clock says 7 h 52 min
